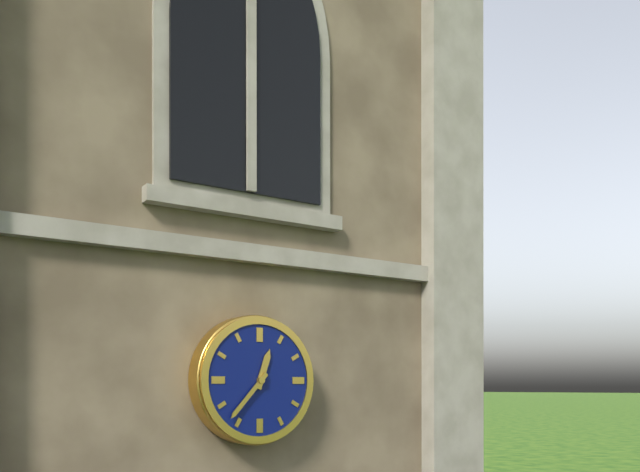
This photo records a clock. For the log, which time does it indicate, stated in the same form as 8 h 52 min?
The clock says 12 h 37 min
